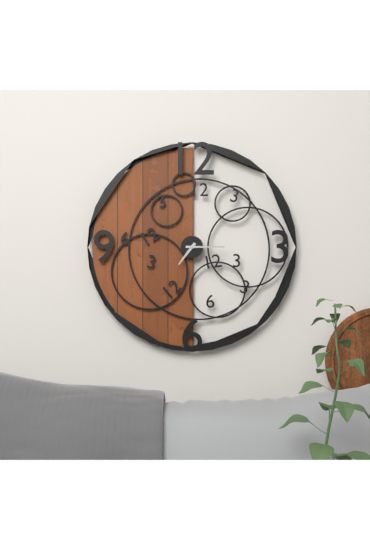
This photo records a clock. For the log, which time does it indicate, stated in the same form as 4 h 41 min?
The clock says 7 h 15 min
